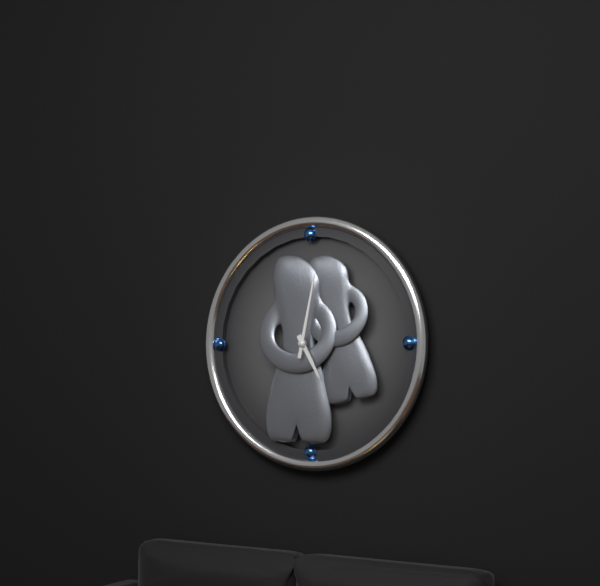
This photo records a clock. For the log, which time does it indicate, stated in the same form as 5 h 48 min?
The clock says 5 h 02 min
